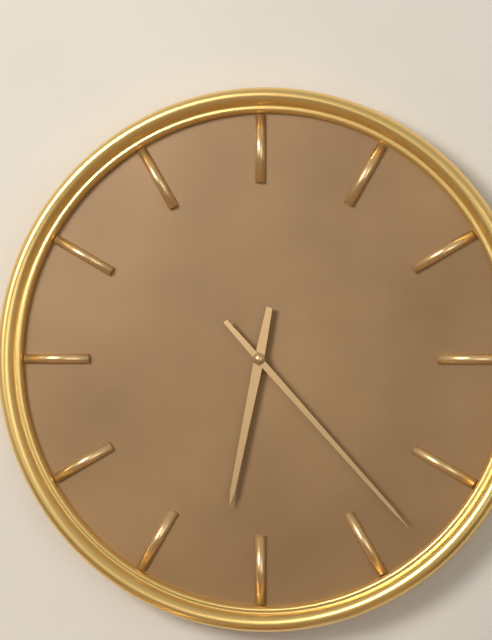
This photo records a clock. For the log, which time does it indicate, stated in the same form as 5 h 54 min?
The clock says 6 h 23 min
